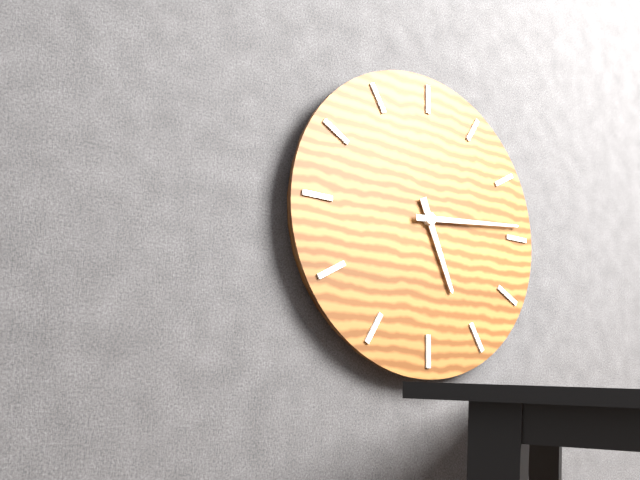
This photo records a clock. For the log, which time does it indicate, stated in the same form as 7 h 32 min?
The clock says 5 h 14 min
